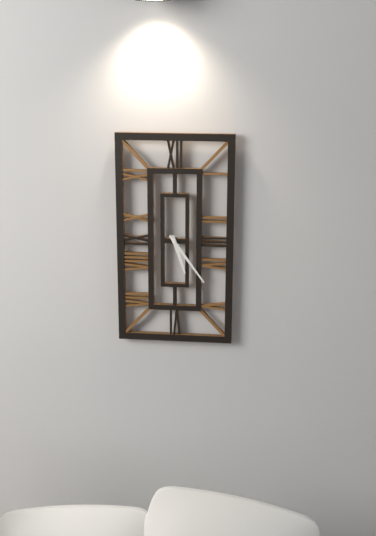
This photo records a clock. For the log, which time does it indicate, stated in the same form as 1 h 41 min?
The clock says 5 h 24 min
